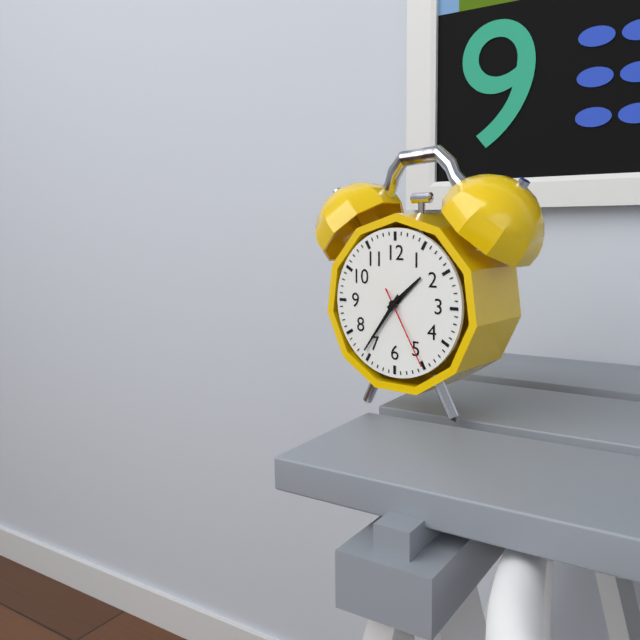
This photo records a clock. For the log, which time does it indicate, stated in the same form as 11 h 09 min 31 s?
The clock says 1 h 36 min 25 s
